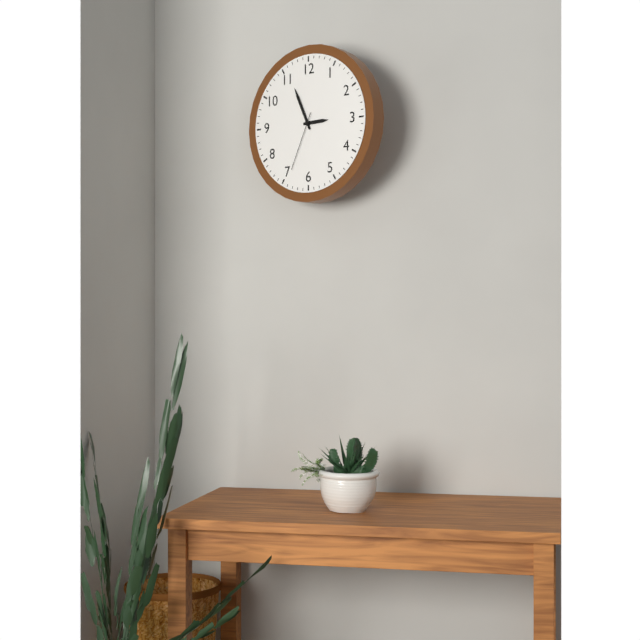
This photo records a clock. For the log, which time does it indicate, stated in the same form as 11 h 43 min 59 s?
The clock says 2 h 56 min 34 s
